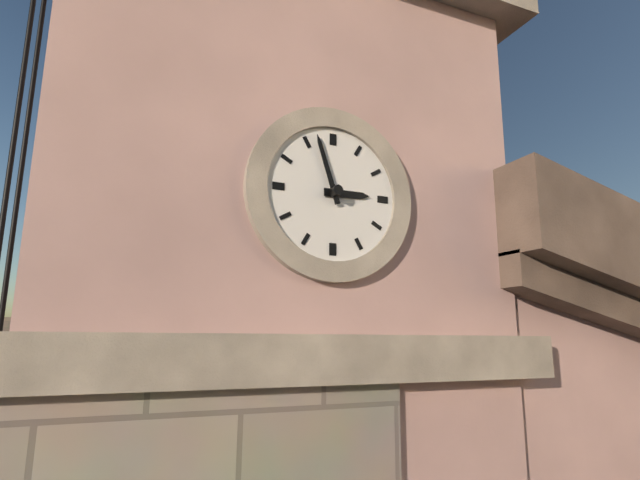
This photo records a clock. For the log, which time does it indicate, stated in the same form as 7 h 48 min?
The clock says 2 h 57 min
